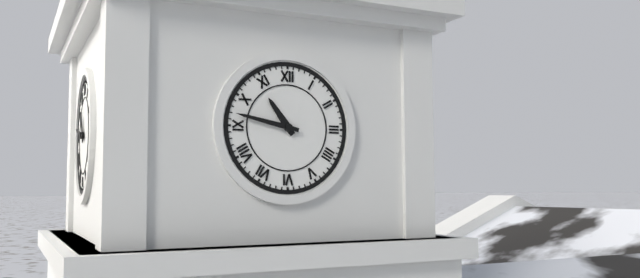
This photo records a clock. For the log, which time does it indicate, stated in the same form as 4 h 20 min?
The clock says 10 h 47 min
